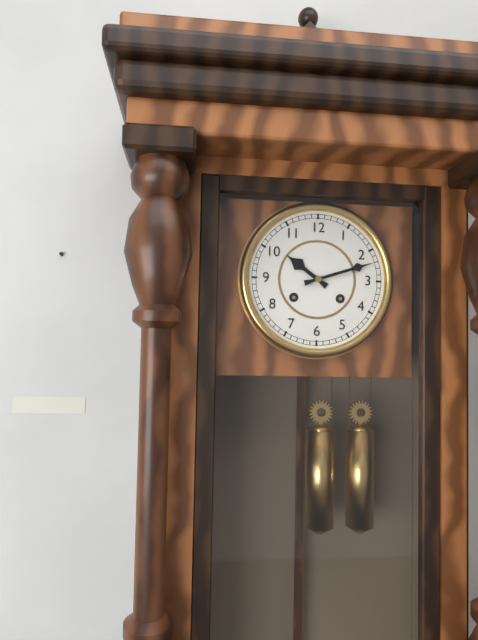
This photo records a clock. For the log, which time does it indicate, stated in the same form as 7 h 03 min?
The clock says 10 h 12 min
